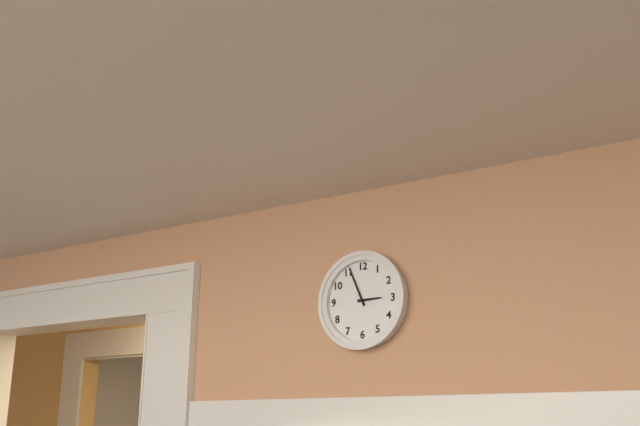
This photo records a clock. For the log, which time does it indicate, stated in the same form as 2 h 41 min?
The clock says 2 h 56 min
